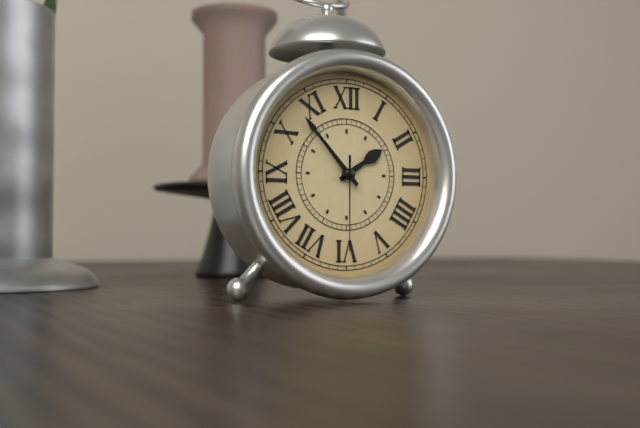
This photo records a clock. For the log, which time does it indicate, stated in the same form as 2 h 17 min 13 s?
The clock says 1 h 53 min 30 s
